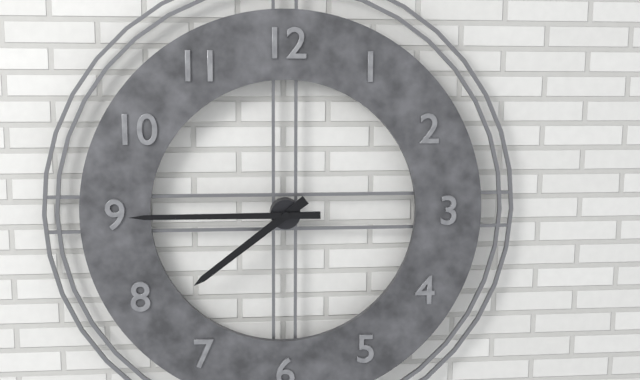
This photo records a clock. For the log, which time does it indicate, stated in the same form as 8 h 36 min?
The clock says 7 h 45 min
